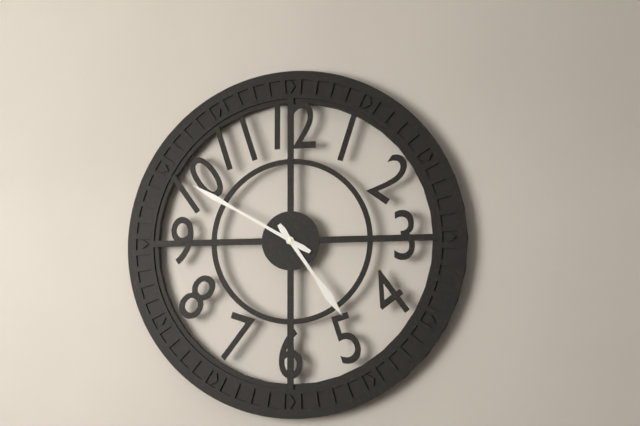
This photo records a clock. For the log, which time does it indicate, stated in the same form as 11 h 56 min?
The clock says 4 h 50 min
